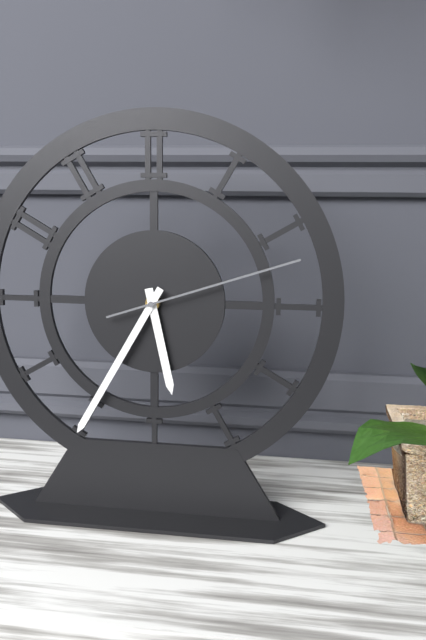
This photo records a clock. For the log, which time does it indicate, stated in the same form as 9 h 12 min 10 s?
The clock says 5 h 35 min 12 s
